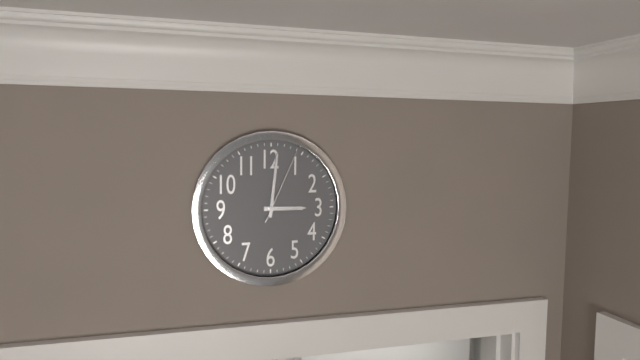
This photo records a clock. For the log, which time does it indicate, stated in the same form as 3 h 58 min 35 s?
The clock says 3 h 01 min 04 s
